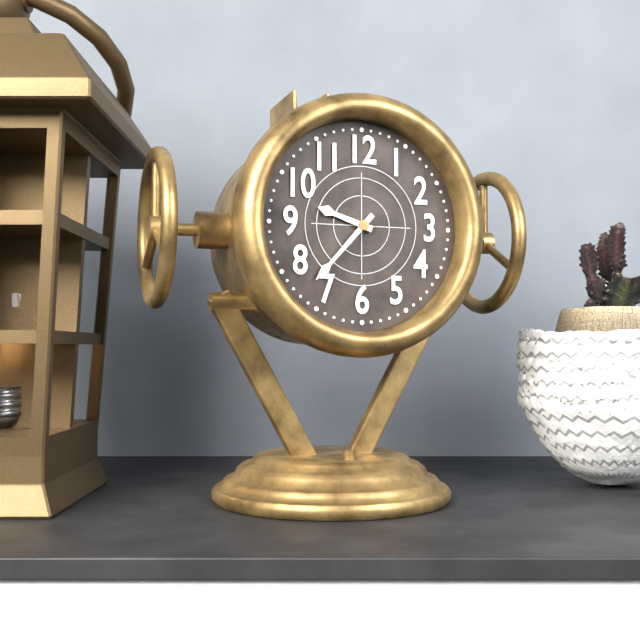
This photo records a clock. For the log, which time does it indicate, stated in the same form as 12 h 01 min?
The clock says 9 h 37 min
